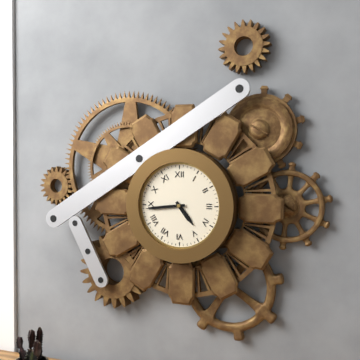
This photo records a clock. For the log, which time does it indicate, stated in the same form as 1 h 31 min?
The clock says 4 h 44 min
